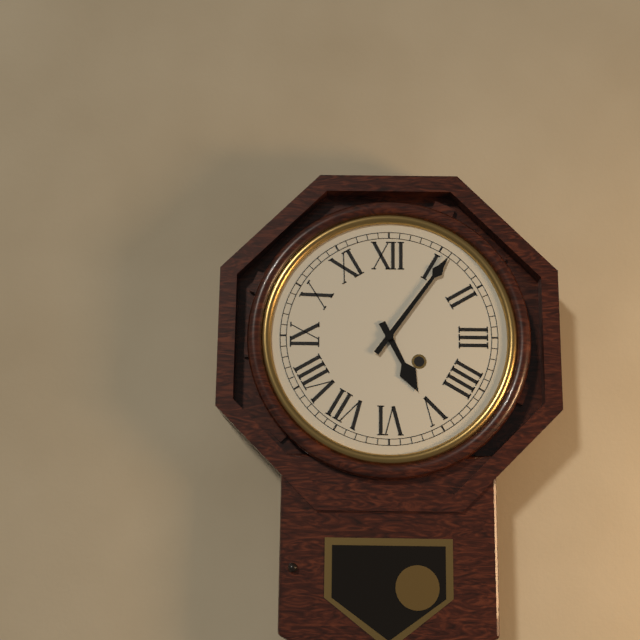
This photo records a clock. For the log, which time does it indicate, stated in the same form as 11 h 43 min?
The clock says 5 h 06 min
